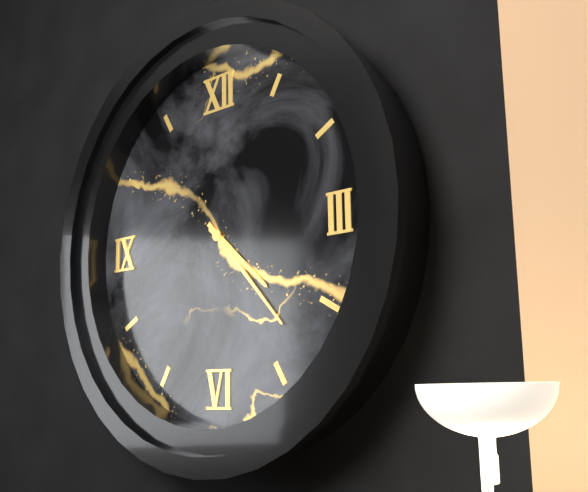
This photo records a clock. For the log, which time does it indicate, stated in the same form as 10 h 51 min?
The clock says 4 h 23 min
